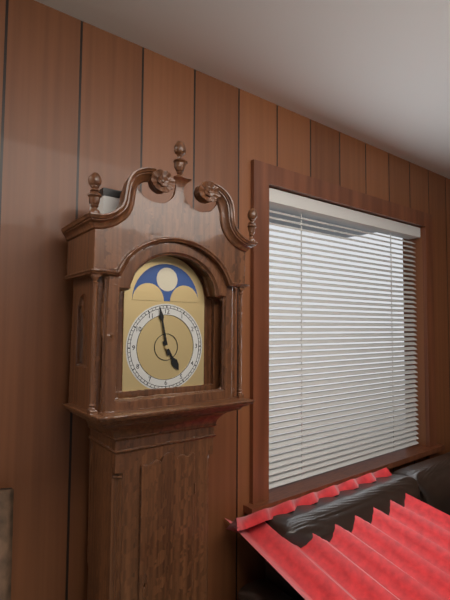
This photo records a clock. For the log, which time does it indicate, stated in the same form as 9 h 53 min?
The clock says 4 h 58 min
